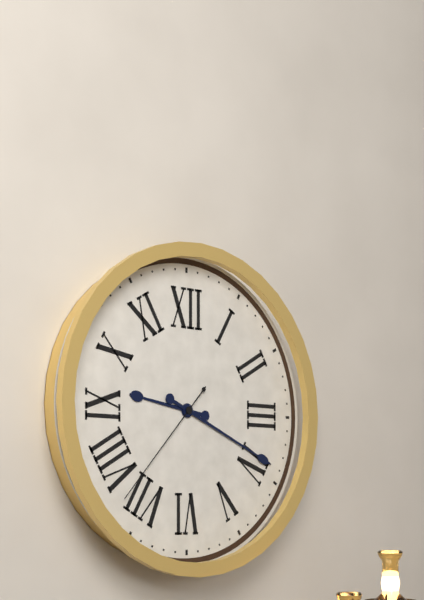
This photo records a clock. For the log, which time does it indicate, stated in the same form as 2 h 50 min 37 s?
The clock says 9 h 19 min 37 s
